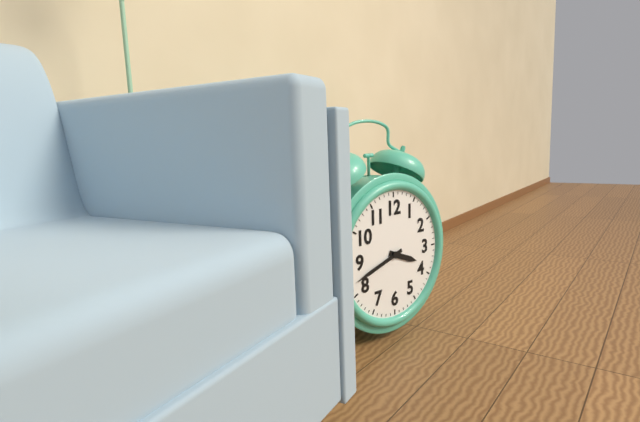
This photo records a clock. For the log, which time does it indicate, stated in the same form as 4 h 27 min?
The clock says 3 h 42 min
